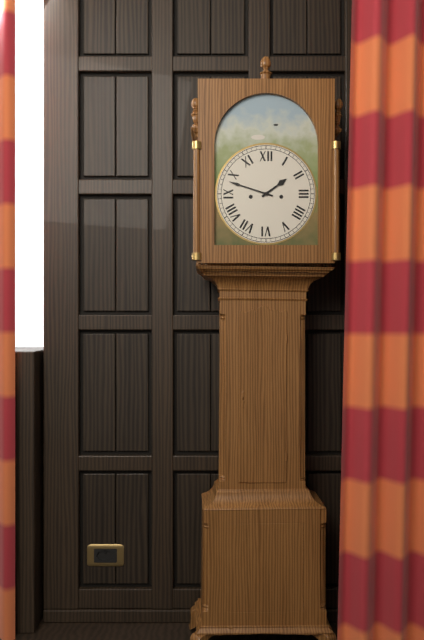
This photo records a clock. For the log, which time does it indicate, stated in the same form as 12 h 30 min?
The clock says 1 h 48 min
